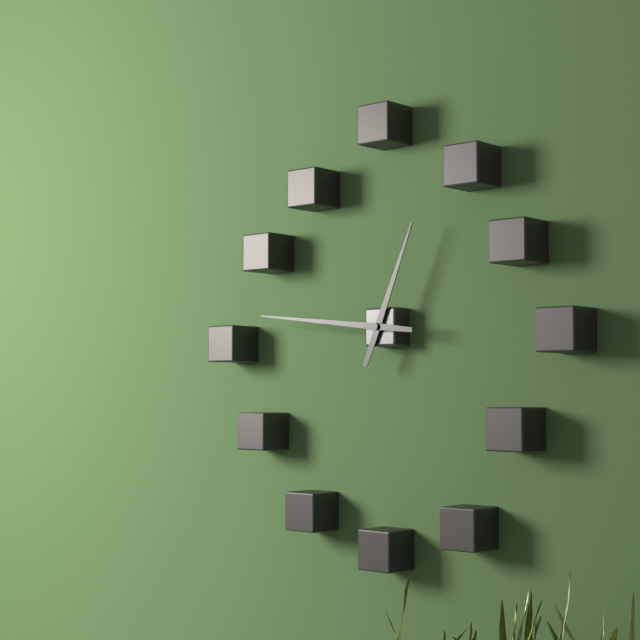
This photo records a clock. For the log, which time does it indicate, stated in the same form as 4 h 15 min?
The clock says 12 h 46 min
